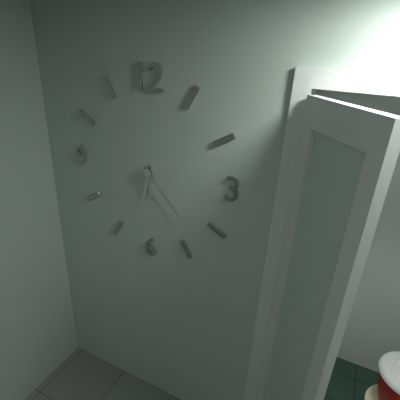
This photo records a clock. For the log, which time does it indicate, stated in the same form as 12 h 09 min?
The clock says 6 h 23 min
